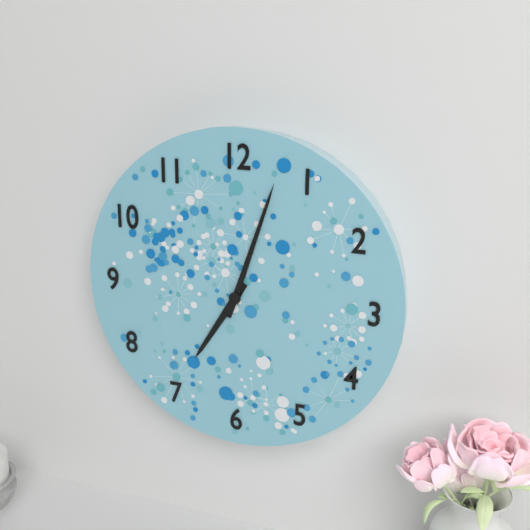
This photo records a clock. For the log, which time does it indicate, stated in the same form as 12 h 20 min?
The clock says 7 h 03 min
